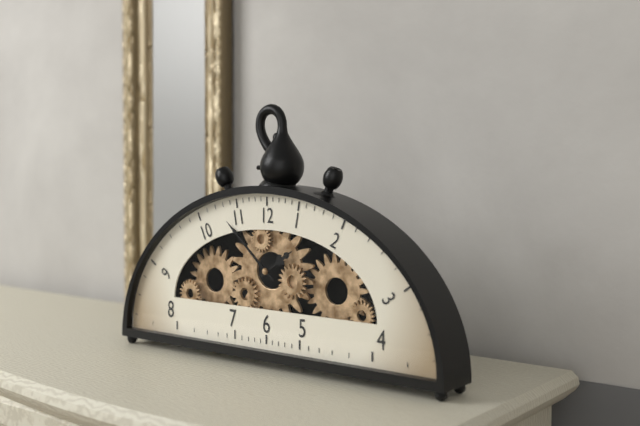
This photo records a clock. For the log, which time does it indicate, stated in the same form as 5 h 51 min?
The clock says 1 h 52 min
